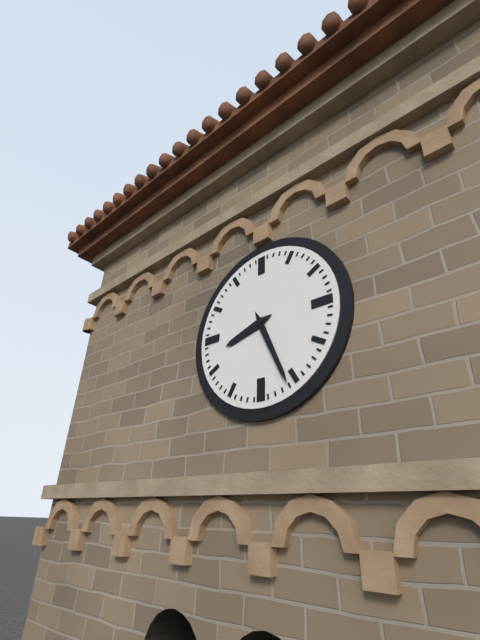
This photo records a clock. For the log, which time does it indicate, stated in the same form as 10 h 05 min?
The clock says 8 h 26 min
